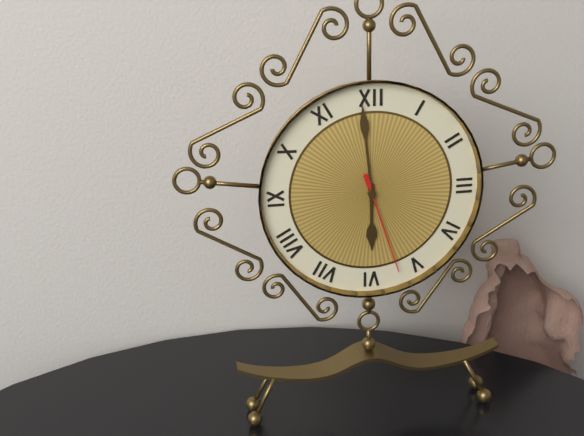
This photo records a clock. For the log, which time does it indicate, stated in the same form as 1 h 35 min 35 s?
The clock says 5 h 59 min 27 s
